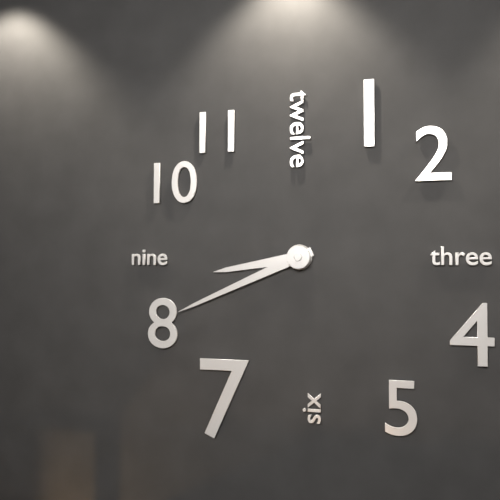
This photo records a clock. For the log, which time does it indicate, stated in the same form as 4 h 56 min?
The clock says 8 h 41 min
